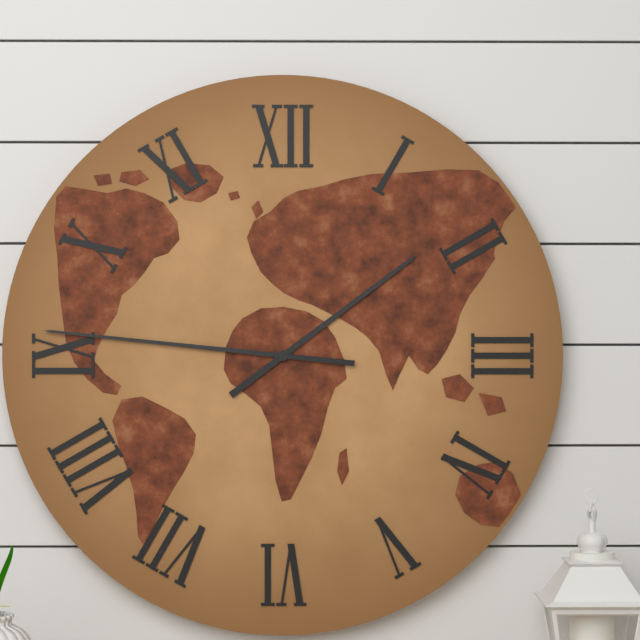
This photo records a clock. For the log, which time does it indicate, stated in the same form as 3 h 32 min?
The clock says 1 h 46 min
